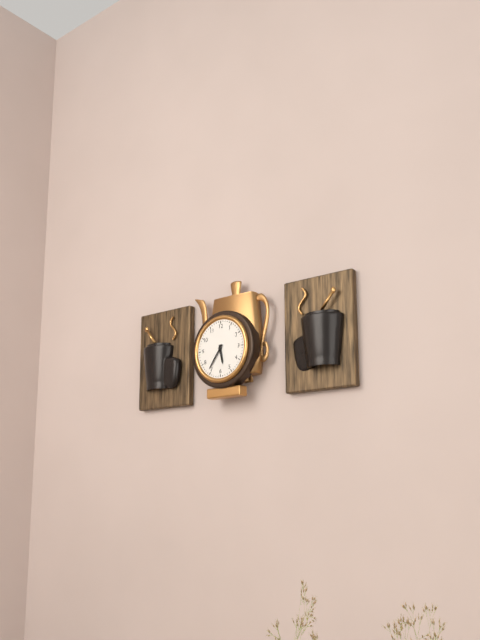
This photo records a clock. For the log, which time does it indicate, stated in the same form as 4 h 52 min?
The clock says 5 h 36 min
